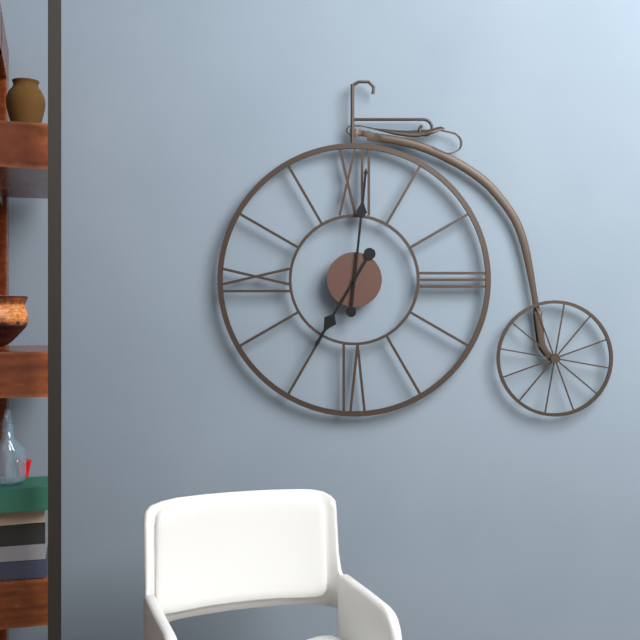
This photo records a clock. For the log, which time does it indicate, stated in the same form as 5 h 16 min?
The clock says 7 h 01 min
